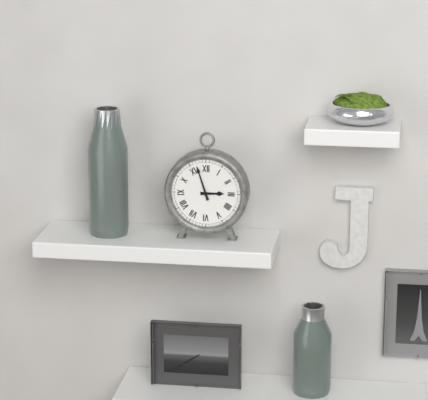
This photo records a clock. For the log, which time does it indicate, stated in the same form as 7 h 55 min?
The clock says 2 h 57 min
